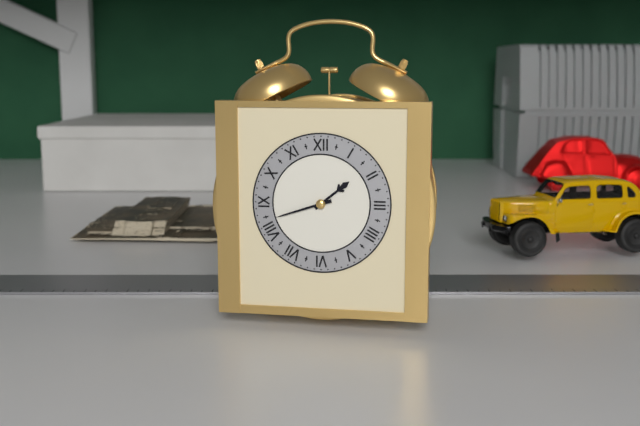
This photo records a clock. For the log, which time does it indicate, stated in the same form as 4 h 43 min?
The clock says 1 h 42 min
